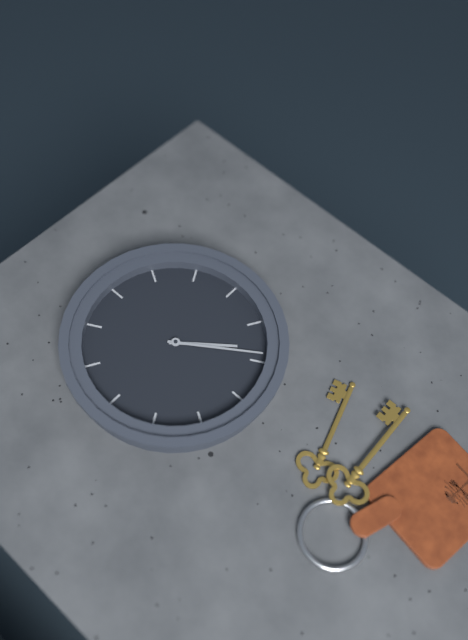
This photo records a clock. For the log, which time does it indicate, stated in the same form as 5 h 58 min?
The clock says 7 h 39 min
